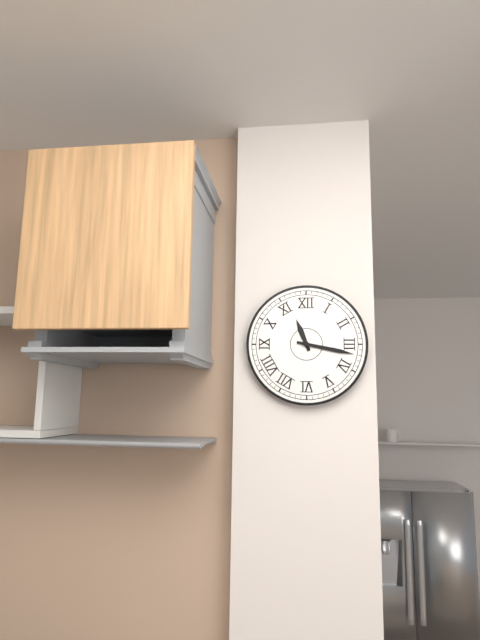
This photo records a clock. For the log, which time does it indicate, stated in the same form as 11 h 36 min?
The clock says 11 h 17 min
